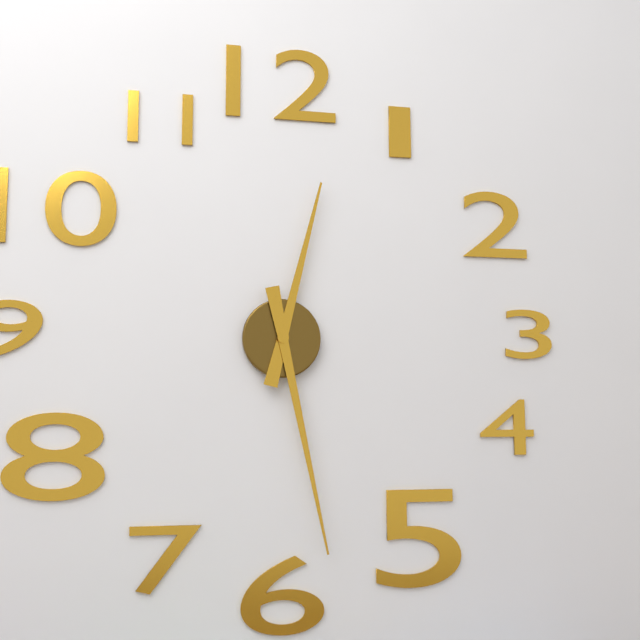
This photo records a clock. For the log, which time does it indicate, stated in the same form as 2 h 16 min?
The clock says 12 h 28 min
